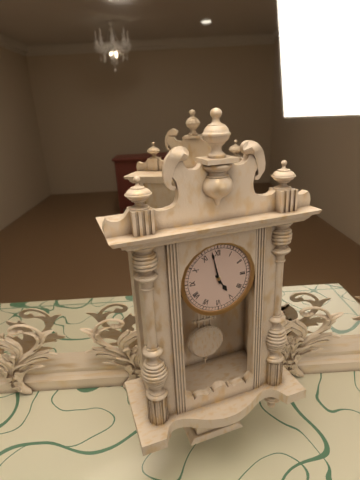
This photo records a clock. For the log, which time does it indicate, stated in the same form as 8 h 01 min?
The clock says 4 h 58 min
